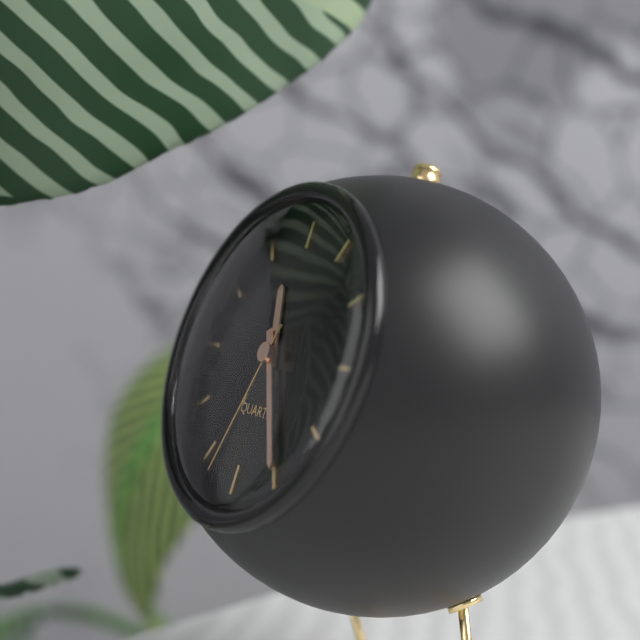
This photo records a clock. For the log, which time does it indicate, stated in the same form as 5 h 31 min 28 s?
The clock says 11 h 25 min 33 s
